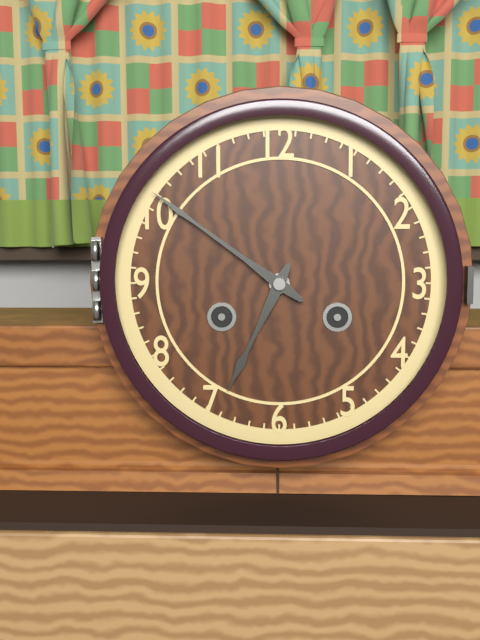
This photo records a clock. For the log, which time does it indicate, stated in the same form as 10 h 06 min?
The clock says 6 h 51 min
